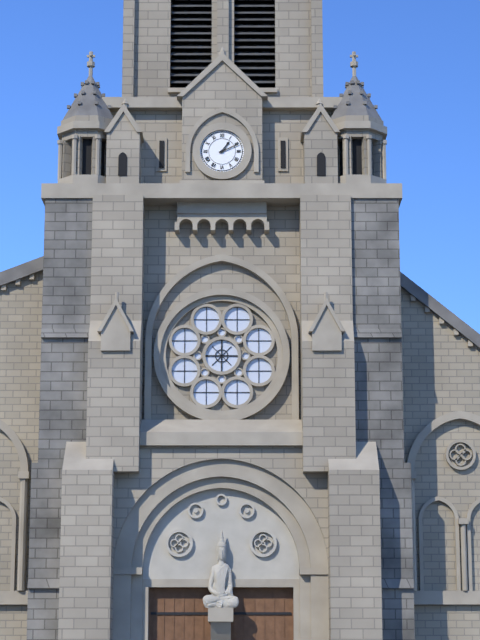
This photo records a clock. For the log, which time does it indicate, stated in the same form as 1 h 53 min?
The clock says 1 h 11 min
